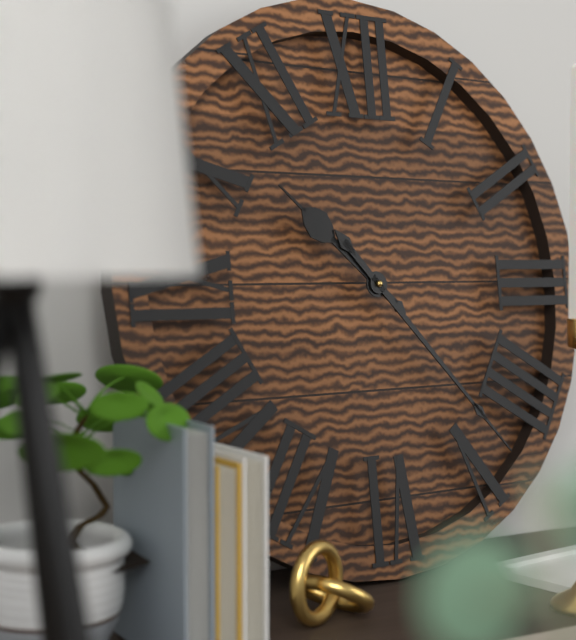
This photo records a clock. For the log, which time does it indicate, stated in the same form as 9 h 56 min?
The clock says 10 h 23 min
